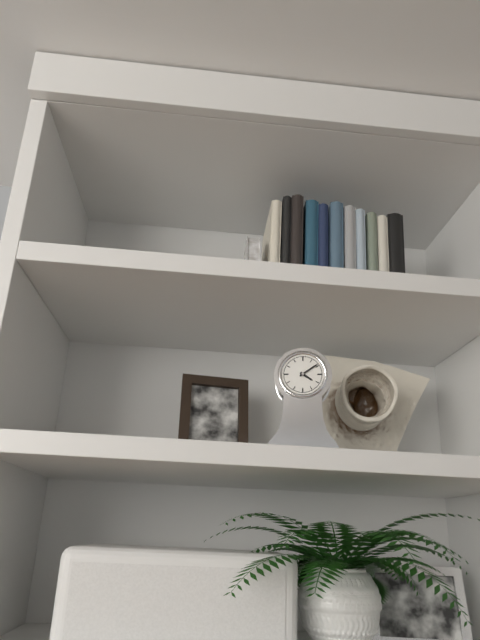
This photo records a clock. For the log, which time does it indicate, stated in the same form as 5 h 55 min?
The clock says 4 h 09 min
